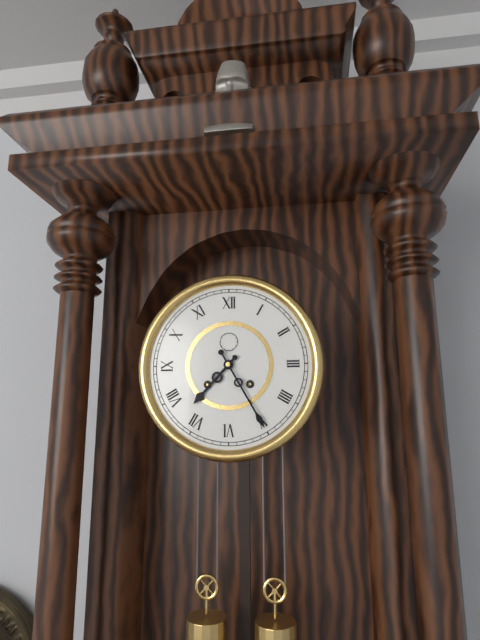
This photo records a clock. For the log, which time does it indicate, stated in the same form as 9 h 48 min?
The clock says 7 h 25 min
